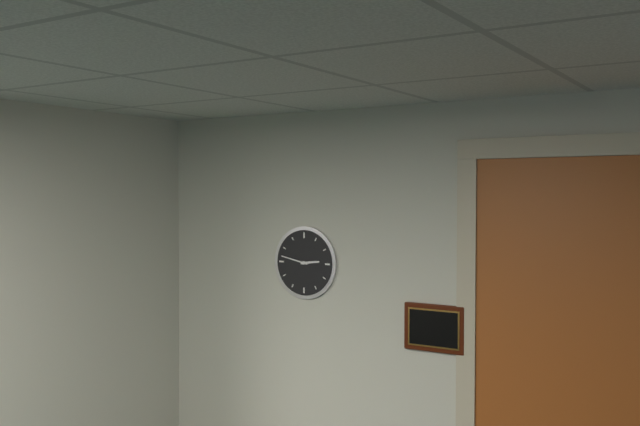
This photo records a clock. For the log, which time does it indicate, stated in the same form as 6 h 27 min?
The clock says 2 h 47 min
